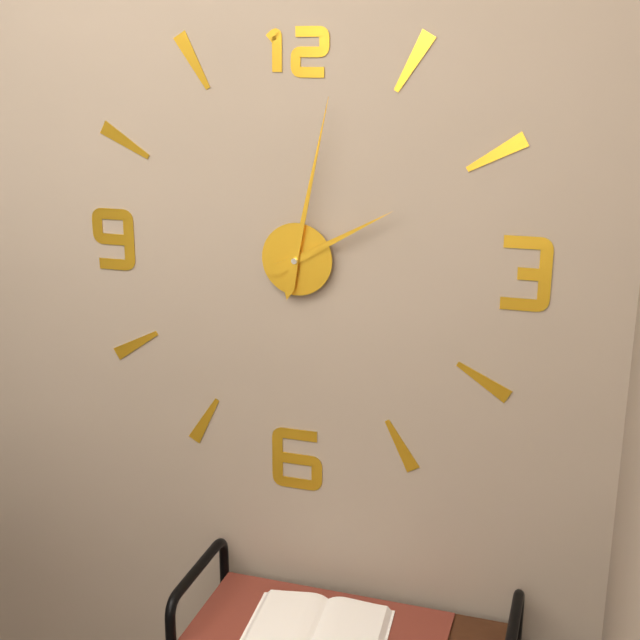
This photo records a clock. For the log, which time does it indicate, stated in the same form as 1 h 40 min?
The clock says 2 h 02 min
